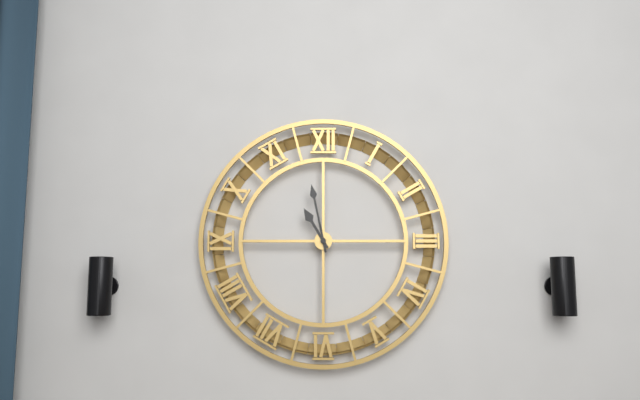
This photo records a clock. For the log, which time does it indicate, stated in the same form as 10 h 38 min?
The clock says 10 h 58 min
